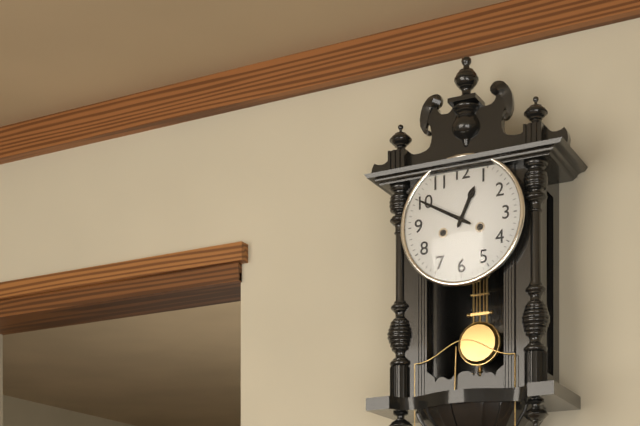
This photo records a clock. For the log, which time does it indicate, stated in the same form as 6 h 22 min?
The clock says 12 h 50 min
